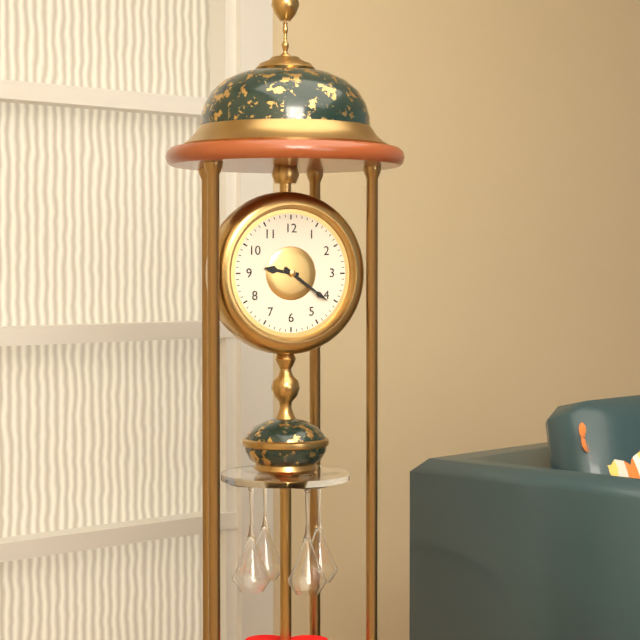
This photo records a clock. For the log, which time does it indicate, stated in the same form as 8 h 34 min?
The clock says 9 h 21 min
